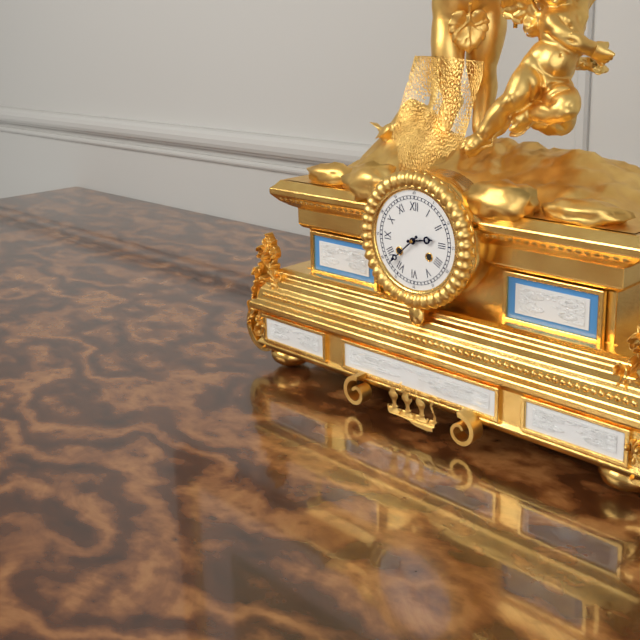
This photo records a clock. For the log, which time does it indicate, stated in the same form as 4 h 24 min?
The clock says 2 h 38 min
